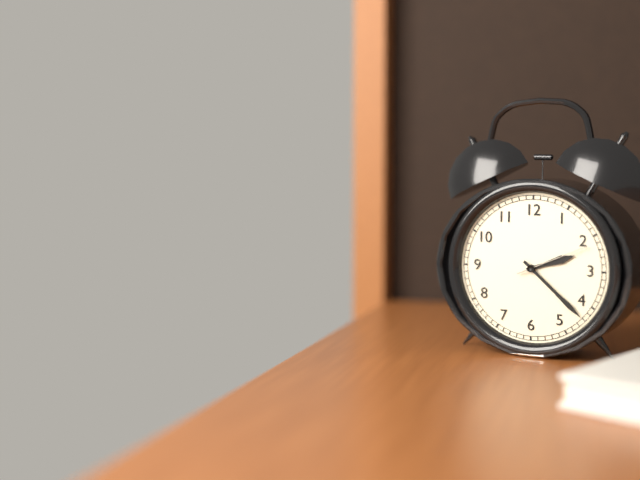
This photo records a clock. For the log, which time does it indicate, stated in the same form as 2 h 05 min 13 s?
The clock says 2 h 22 min 11 s
